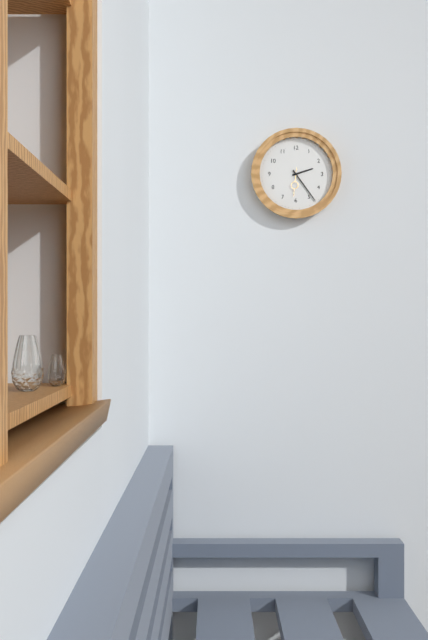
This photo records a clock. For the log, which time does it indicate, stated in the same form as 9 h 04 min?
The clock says 2 h 24 min
